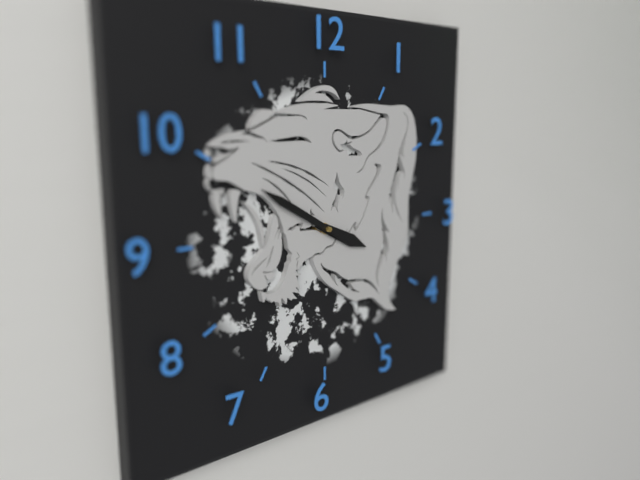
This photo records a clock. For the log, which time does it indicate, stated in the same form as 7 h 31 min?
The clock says 3 h 50 min
